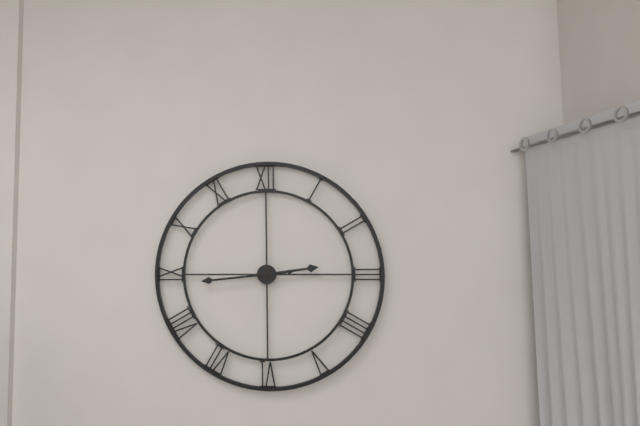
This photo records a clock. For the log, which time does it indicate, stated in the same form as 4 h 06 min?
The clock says 2 h 44 min
